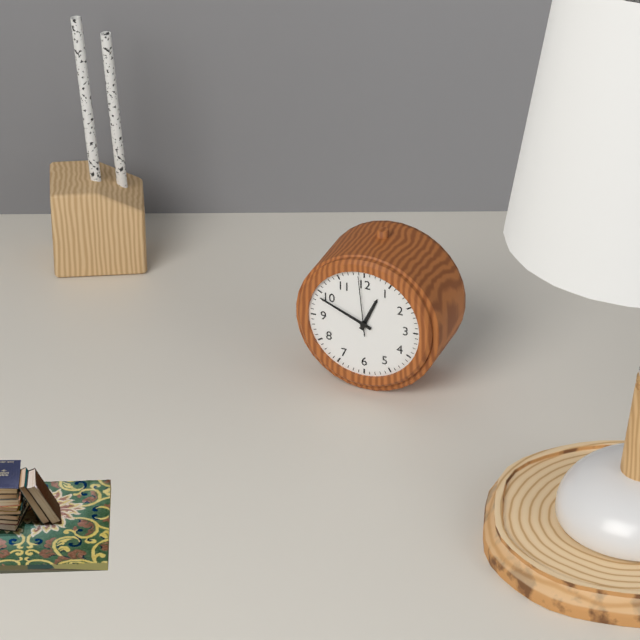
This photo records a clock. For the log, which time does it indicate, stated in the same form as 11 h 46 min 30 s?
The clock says 12 h 49 min 59 s
